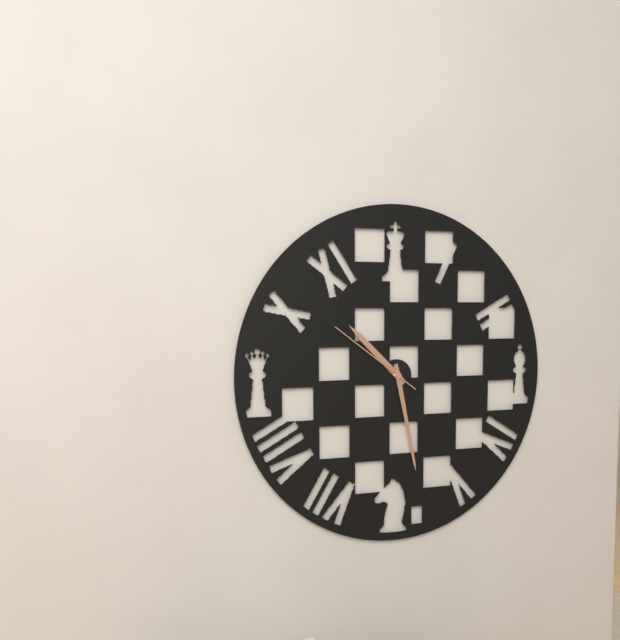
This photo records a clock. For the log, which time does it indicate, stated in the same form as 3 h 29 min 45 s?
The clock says 10 h 28 min 51 s
